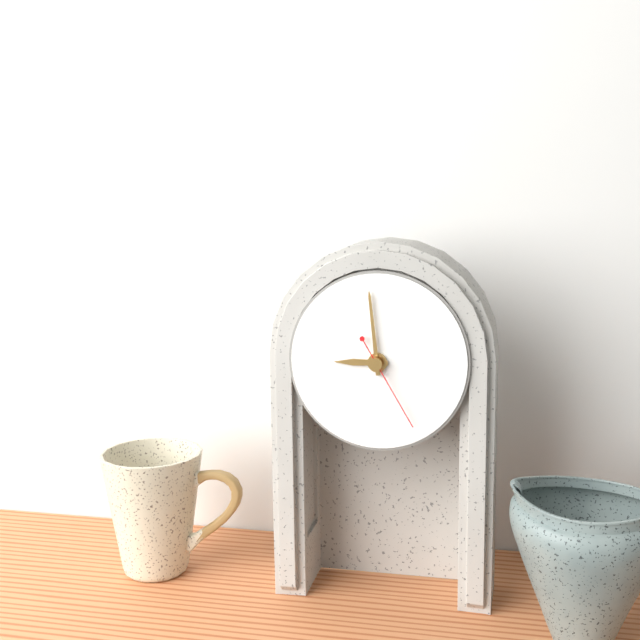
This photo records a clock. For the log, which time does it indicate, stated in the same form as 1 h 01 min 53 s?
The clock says 8 h 59 min 25 s
